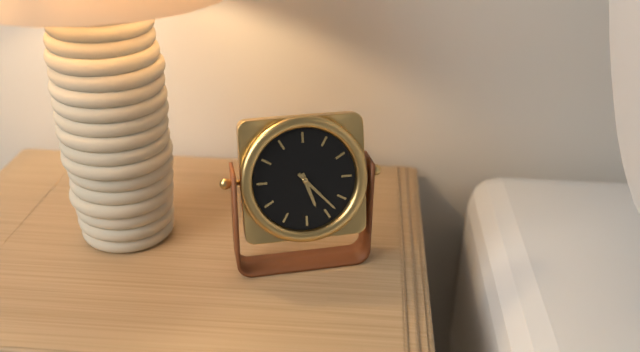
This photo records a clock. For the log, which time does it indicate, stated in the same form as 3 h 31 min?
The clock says 5 h 23 min
